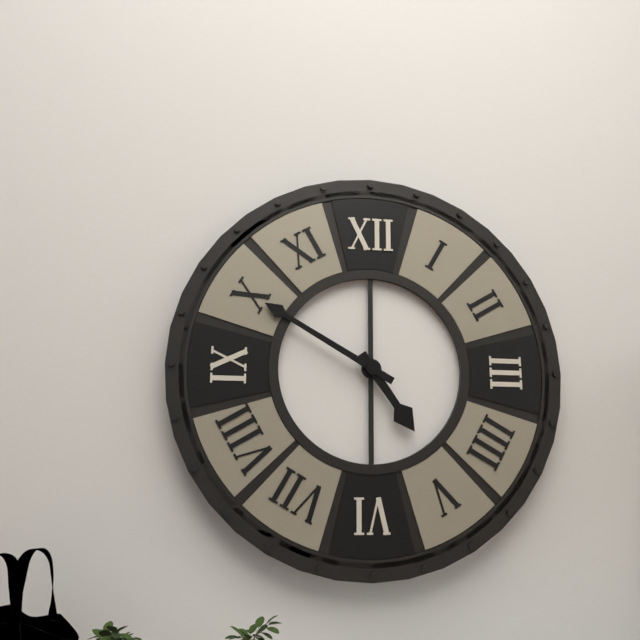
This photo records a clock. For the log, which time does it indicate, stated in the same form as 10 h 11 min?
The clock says 4 h 50 min
